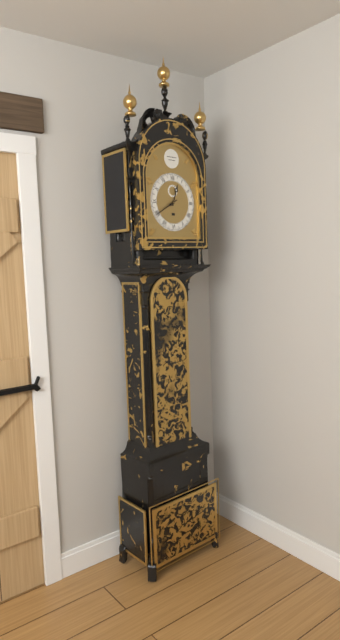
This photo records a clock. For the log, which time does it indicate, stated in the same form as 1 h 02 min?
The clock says 12 h 40 min
